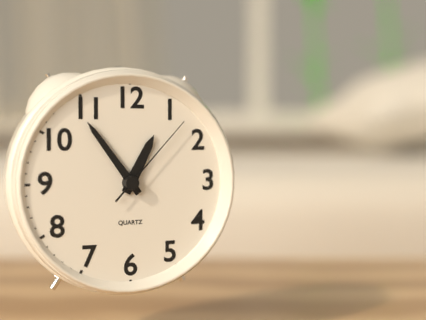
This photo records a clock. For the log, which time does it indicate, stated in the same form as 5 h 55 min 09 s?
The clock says 12 h 54 min 07 s
